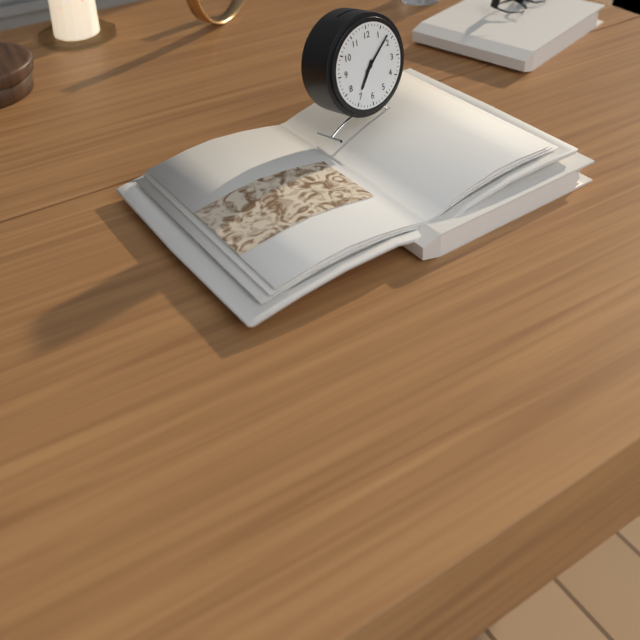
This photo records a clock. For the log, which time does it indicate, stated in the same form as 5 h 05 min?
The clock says 7 h 08 min
